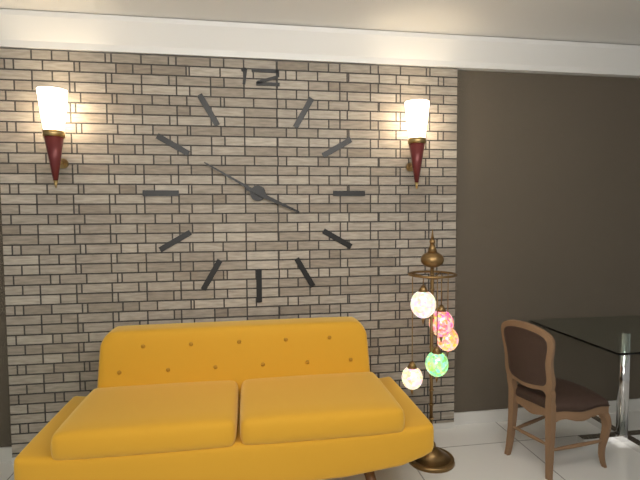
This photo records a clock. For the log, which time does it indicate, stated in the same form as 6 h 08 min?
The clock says 3 h 50 min
